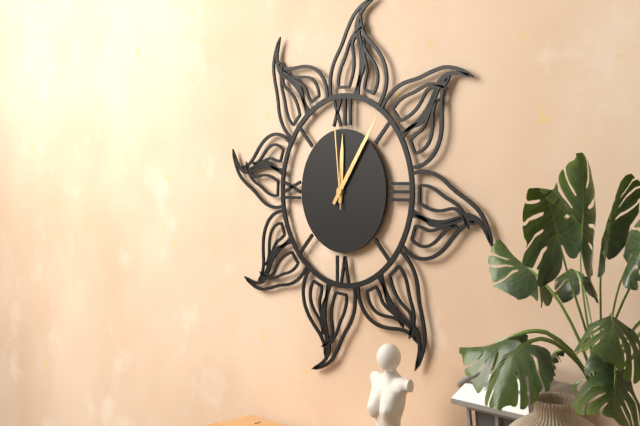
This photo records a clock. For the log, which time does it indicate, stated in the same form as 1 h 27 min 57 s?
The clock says 12 h 06 min 59 s
